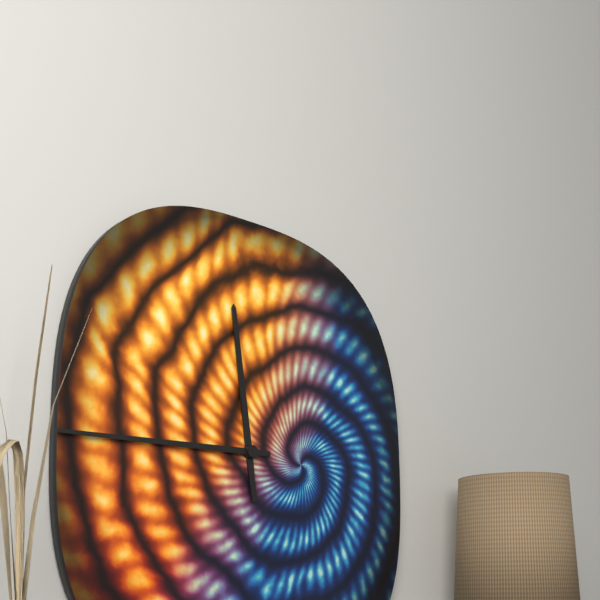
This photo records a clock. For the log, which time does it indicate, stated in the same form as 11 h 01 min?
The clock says 11 h 45 min
